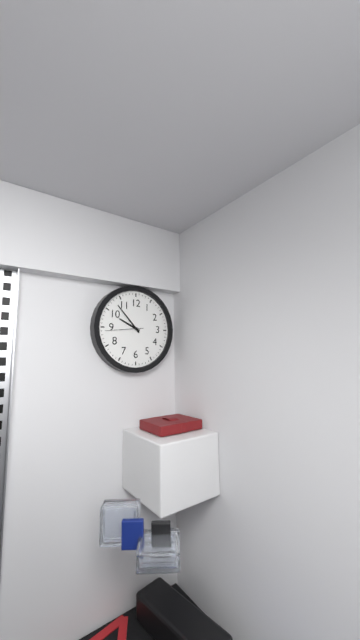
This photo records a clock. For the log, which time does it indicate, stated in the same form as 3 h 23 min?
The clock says 9 h 53 min
